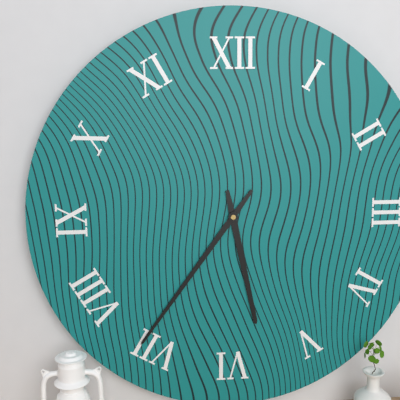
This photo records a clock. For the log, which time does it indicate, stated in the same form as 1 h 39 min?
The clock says 5 h 36 min
